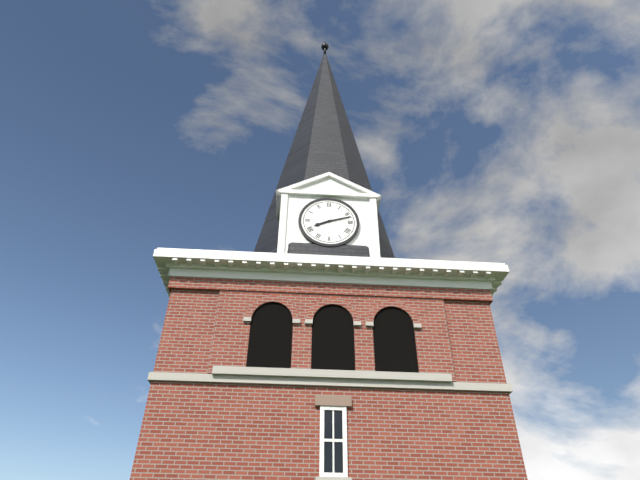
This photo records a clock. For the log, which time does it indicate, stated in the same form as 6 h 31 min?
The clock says 8 h 12 min
